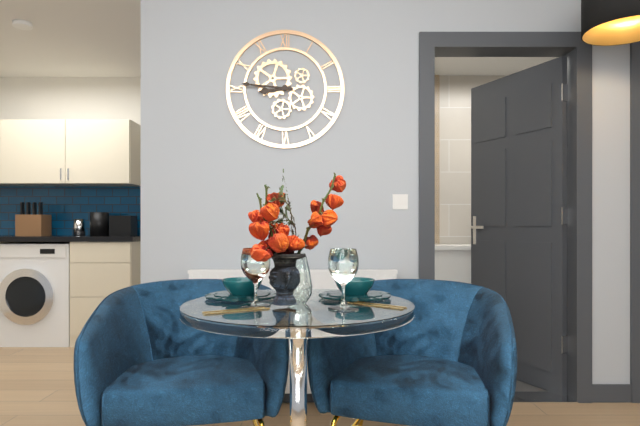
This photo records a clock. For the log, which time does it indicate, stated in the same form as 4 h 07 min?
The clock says 8 h 46 min
